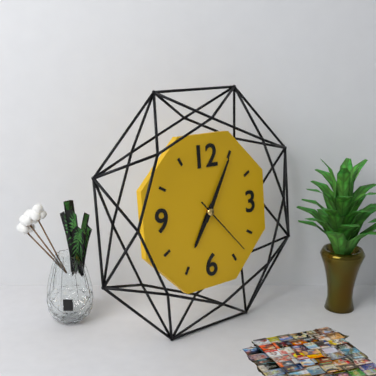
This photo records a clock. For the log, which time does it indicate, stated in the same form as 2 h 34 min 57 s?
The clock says 7 h 05 min 23 s
